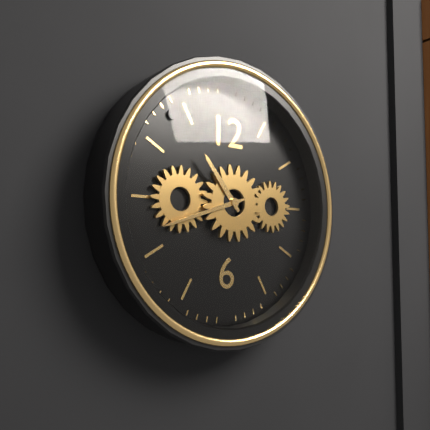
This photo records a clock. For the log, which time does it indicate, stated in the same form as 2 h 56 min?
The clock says 10 h 42 min
